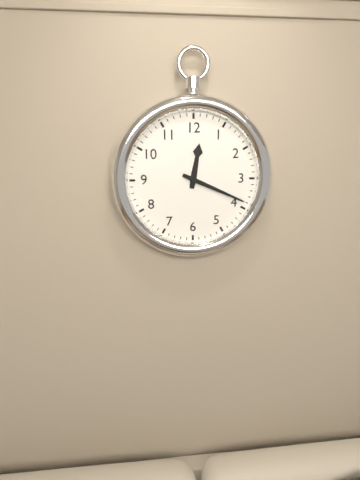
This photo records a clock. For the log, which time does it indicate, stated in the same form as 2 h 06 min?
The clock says 12 h 19 min
